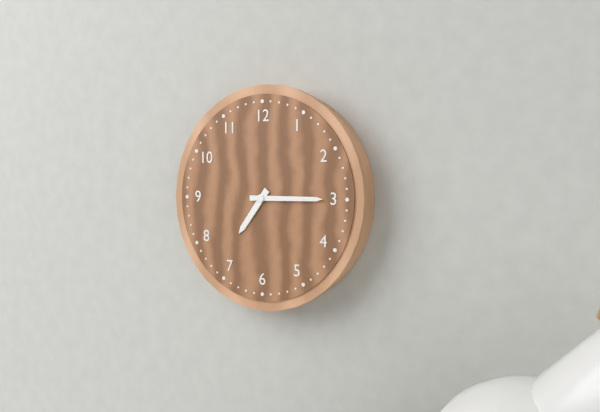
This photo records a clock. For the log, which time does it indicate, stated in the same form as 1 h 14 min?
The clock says 7 h 15 min
